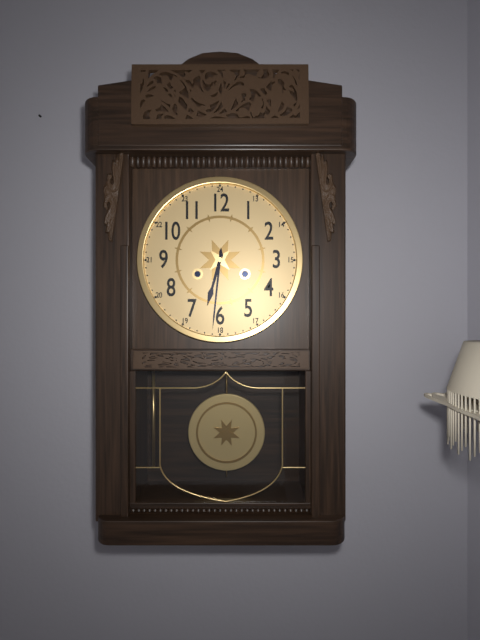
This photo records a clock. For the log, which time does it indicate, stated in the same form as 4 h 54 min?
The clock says 6 h 31 min
